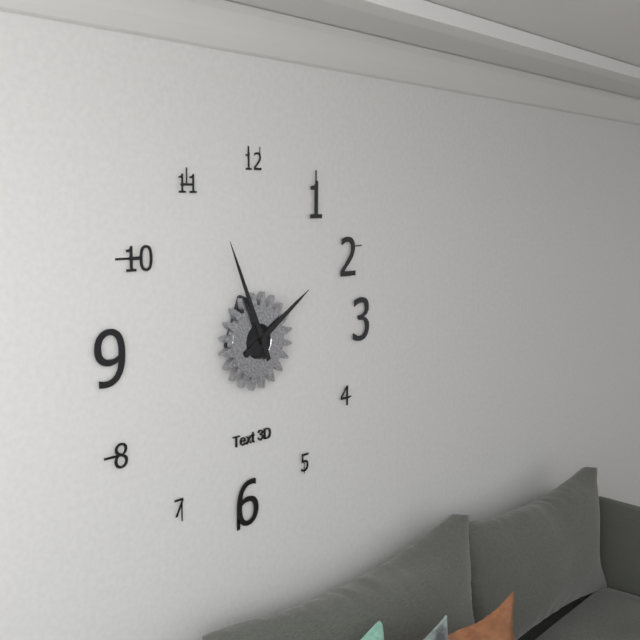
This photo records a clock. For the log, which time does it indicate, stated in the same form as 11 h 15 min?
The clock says 1 h 56 min
